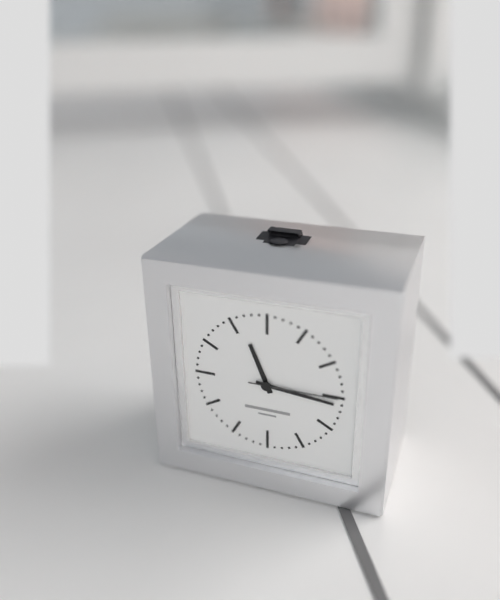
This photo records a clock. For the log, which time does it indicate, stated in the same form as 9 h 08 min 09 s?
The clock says 11 h 16 min 15 s
